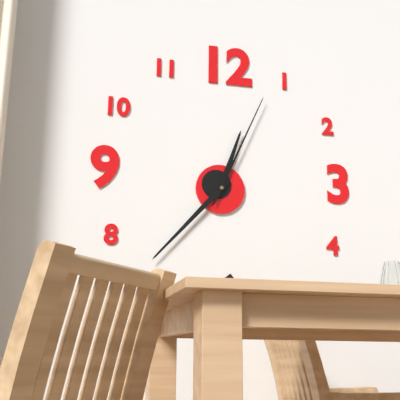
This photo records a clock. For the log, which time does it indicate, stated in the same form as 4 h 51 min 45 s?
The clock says 12 h 37 min 04 s
